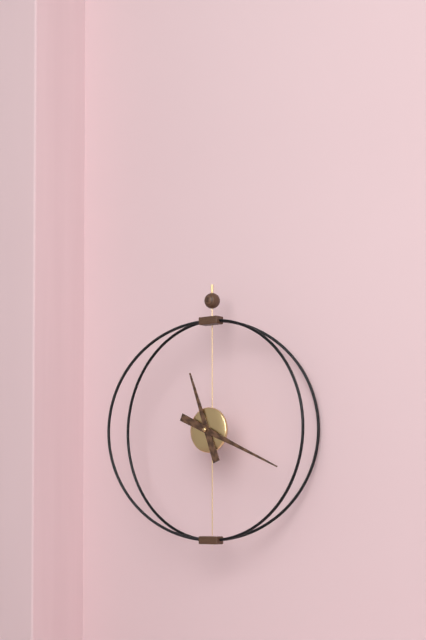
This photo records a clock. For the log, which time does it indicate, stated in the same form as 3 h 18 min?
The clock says 11 h 19 min
